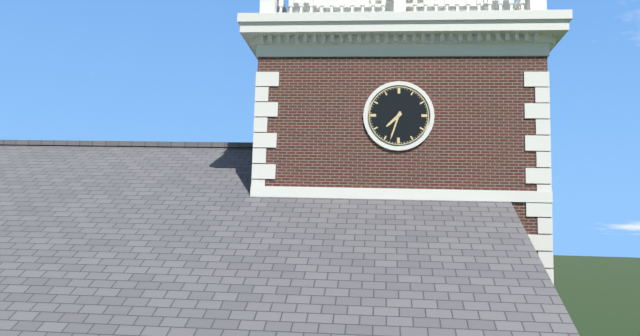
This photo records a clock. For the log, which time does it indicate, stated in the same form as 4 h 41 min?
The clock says 7 h 33 min
